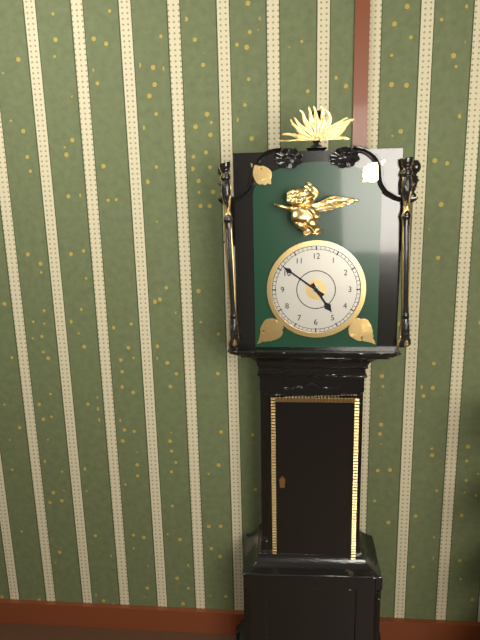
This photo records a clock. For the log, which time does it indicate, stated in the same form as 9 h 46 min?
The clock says 4 h 51 min
